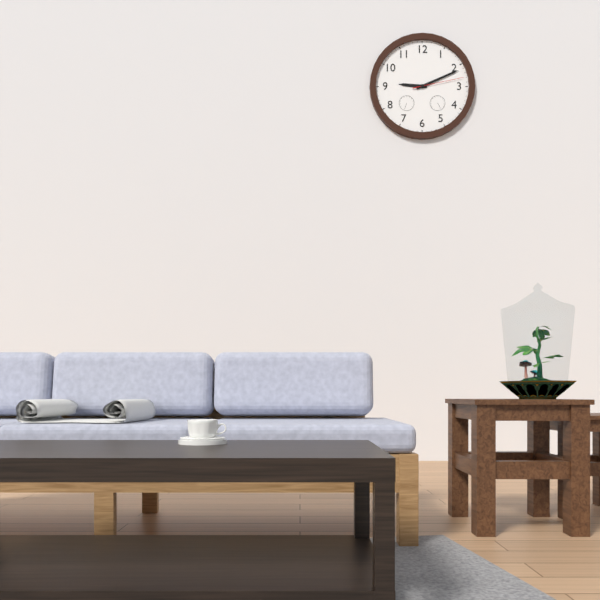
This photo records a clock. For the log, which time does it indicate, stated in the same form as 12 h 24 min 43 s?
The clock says 9 h 11 min 13 s
